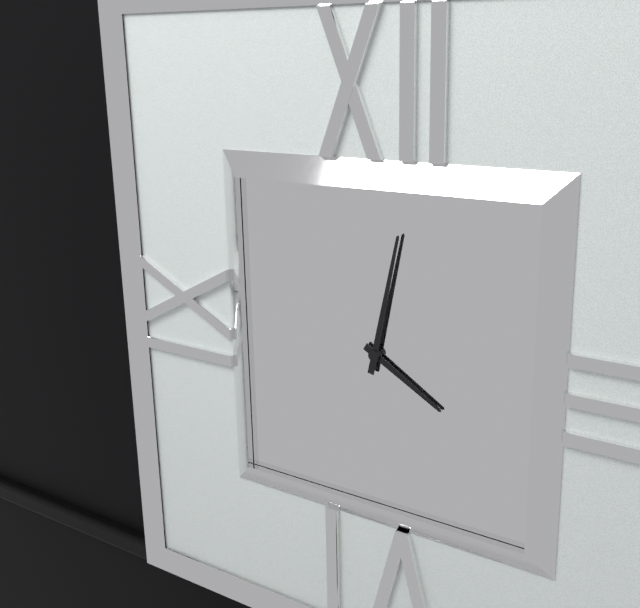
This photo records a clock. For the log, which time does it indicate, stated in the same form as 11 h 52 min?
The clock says 4 h 02 min
